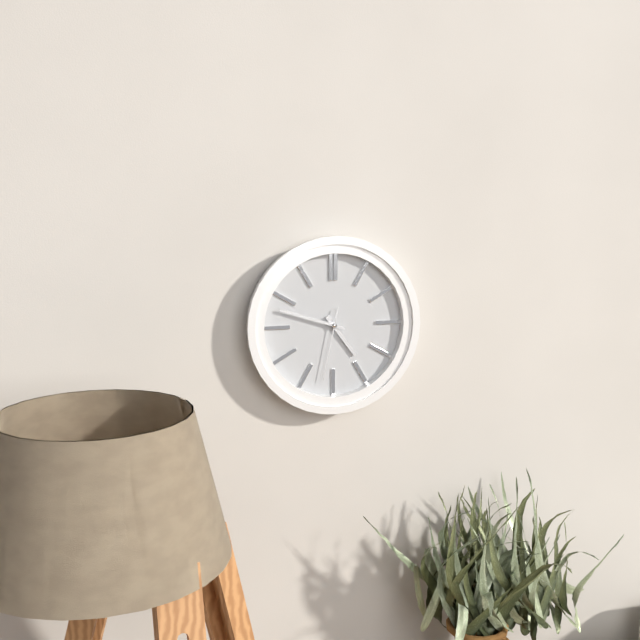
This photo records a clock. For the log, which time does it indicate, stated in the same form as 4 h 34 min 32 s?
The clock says 4 h 48 min 32 s
